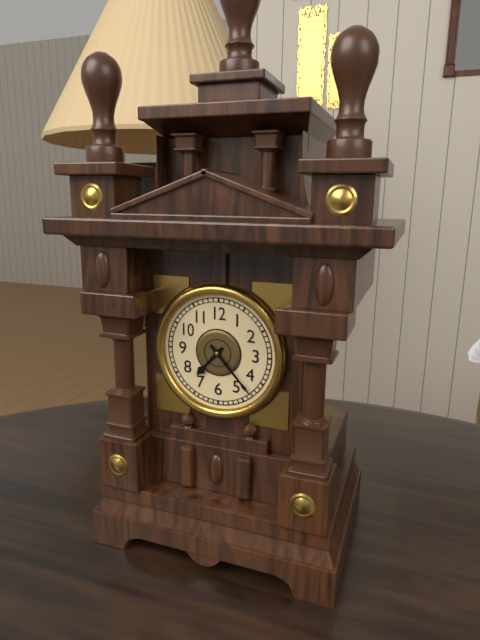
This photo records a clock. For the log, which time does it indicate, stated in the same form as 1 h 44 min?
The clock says 7 h 23 min
